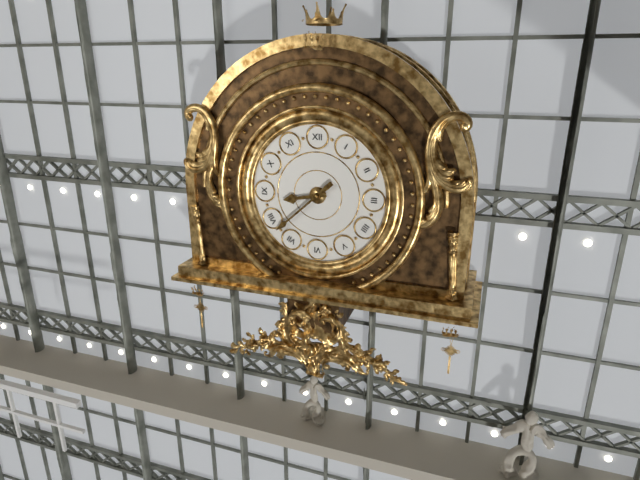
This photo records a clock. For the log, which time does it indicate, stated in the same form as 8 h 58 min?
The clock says 8 h 38 min
